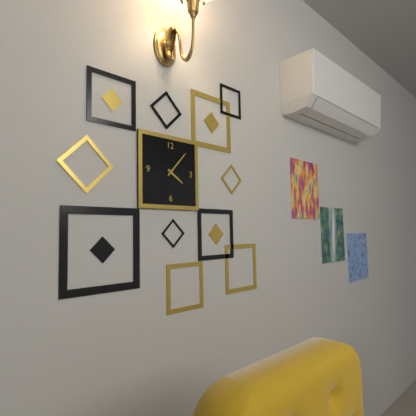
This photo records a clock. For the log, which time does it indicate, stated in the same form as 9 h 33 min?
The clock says 4 h 07 min
